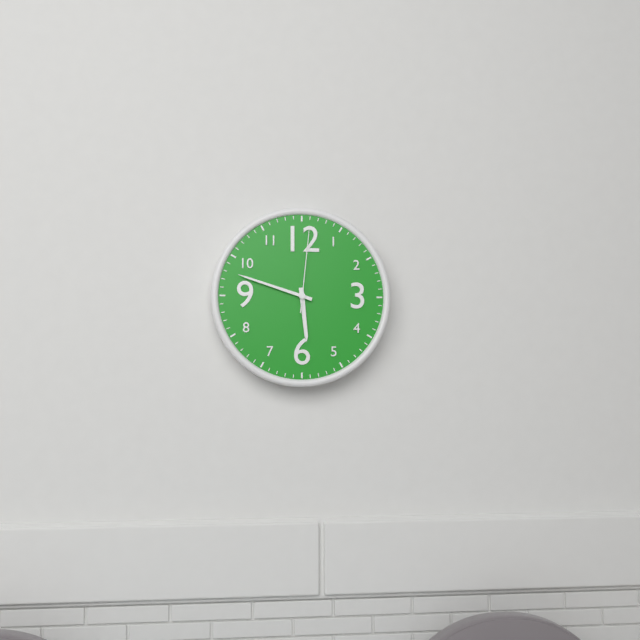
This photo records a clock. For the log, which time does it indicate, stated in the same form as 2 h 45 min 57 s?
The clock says 5 h 48 min 01 s
